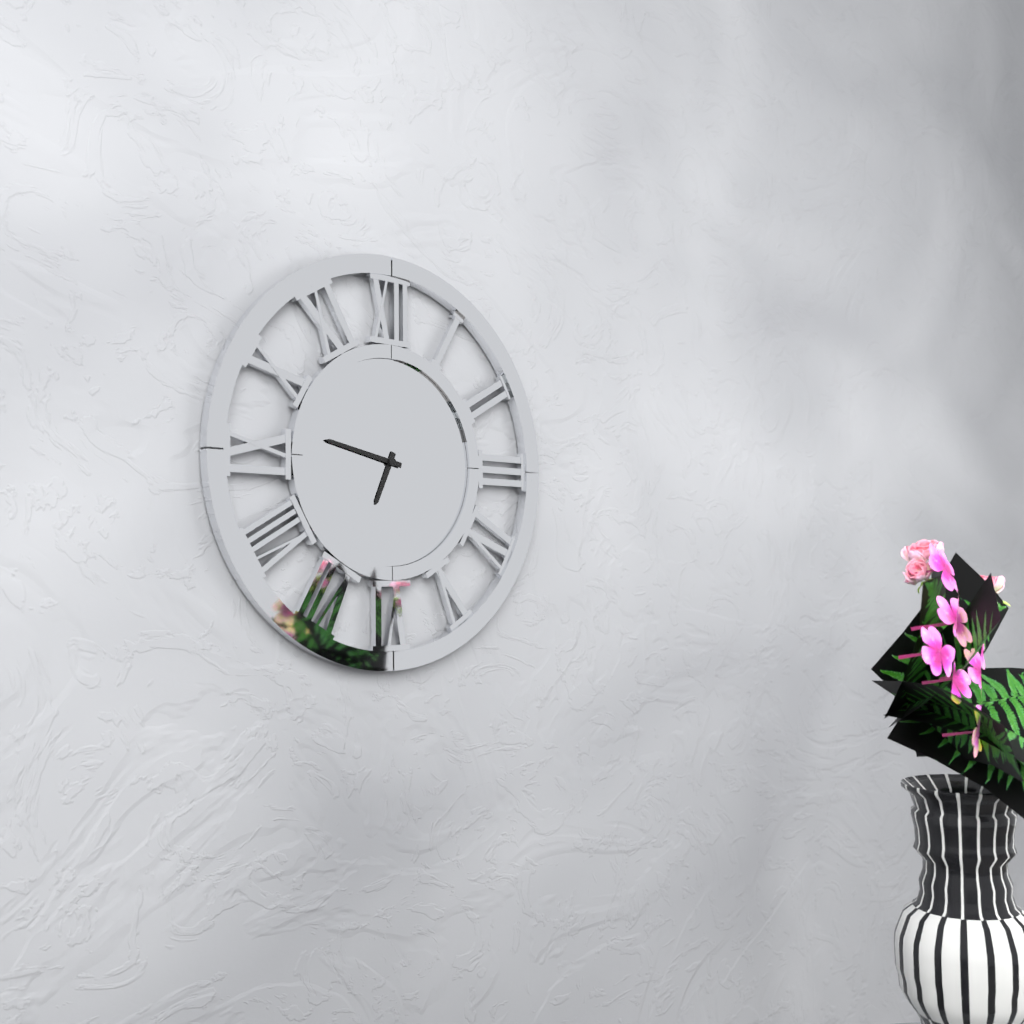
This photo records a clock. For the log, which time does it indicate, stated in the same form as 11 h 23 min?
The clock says 6 h 47 min
